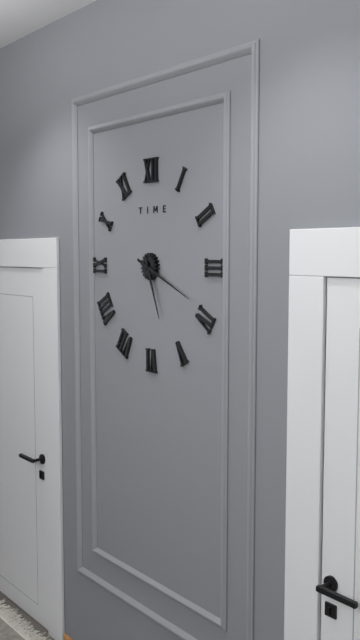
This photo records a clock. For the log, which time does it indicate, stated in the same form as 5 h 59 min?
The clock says 5 h 19 min
